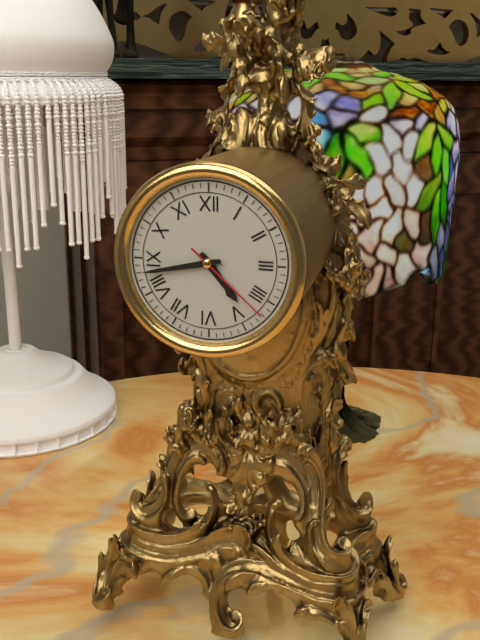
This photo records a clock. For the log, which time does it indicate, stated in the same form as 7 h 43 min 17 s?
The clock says 4 h 43 min 22 s
